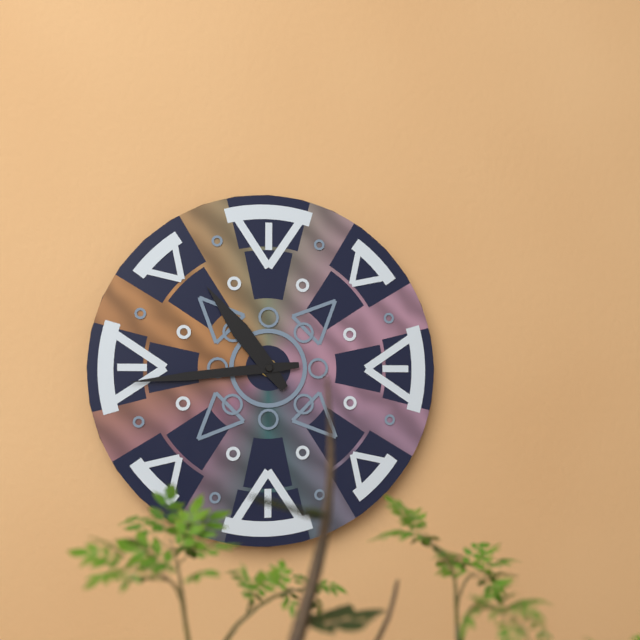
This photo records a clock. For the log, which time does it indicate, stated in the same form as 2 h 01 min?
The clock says 10 h 44 min
